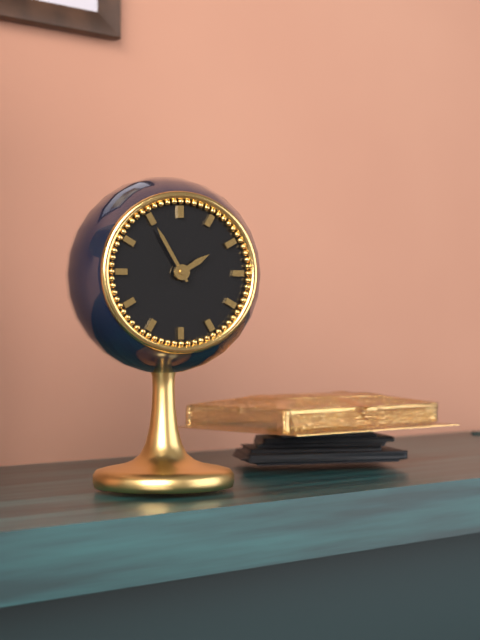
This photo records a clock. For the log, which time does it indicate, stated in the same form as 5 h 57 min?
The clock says 1 h 55 min
